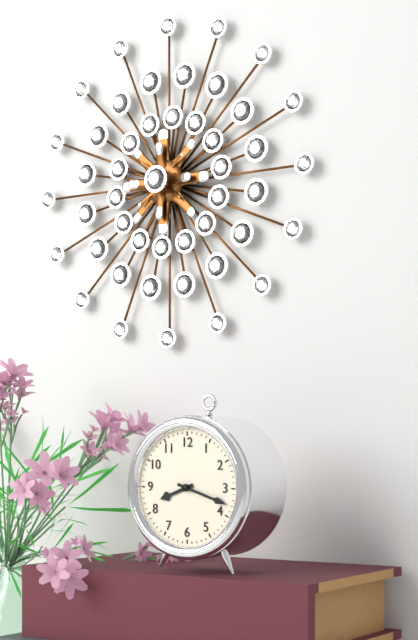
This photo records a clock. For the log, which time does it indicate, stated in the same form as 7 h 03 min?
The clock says 8 h 18 min
